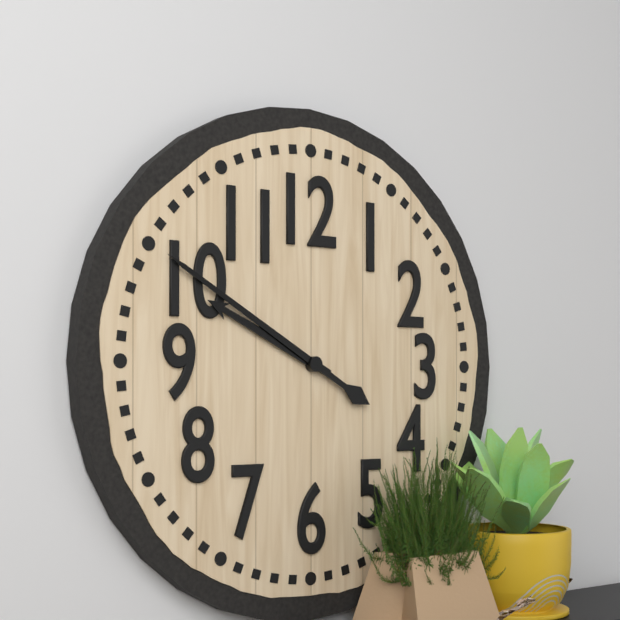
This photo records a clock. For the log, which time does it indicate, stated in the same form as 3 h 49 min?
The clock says 9 h 50 min
